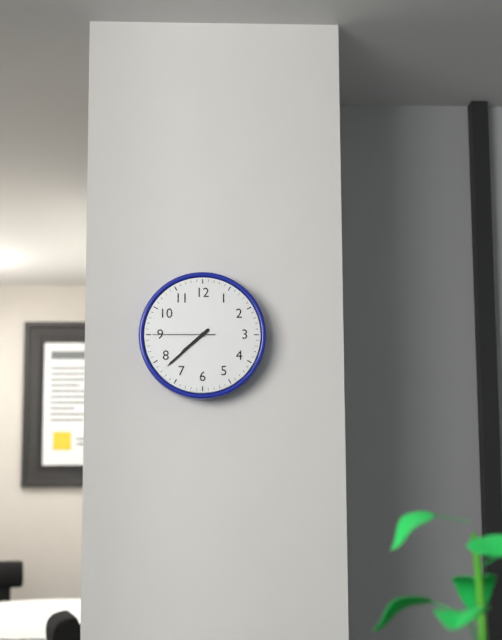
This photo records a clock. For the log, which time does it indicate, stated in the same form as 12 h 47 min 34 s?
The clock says 7 h 38 min 45 s
